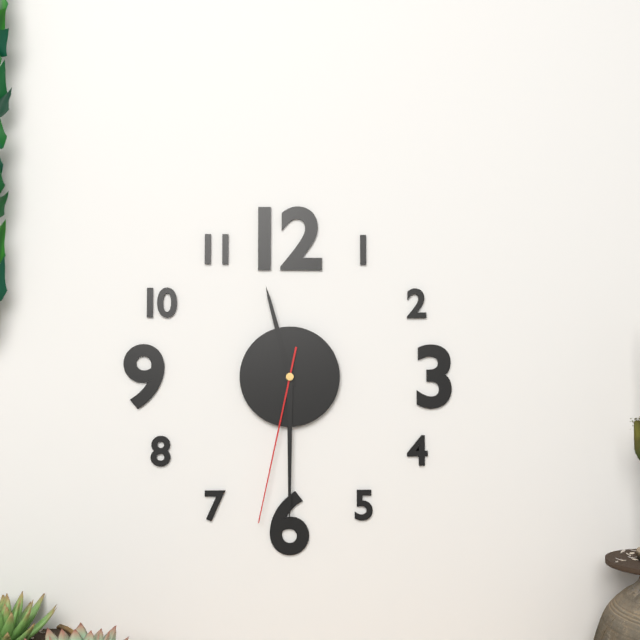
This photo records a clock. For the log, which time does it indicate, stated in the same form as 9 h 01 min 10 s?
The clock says 11 h 30 min 32 s
